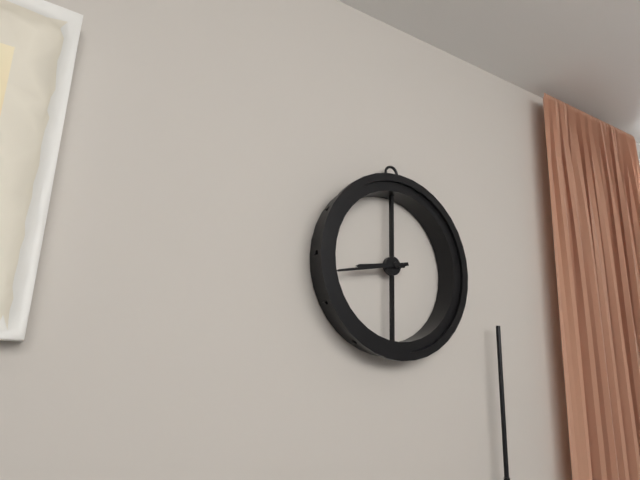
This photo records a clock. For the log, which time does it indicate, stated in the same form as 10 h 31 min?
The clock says 8 h 43 min
